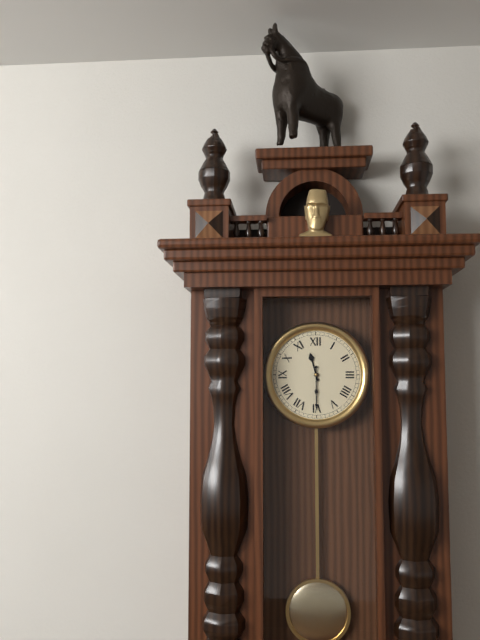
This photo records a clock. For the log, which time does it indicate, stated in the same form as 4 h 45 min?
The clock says 11 h 30 min
